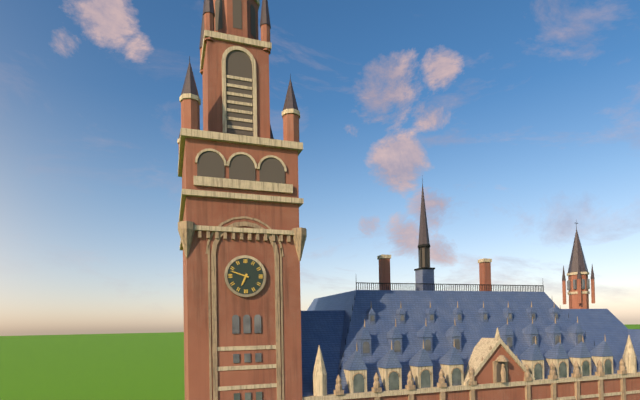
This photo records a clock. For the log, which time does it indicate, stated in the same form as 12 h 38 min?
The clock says 6 h 48 min
